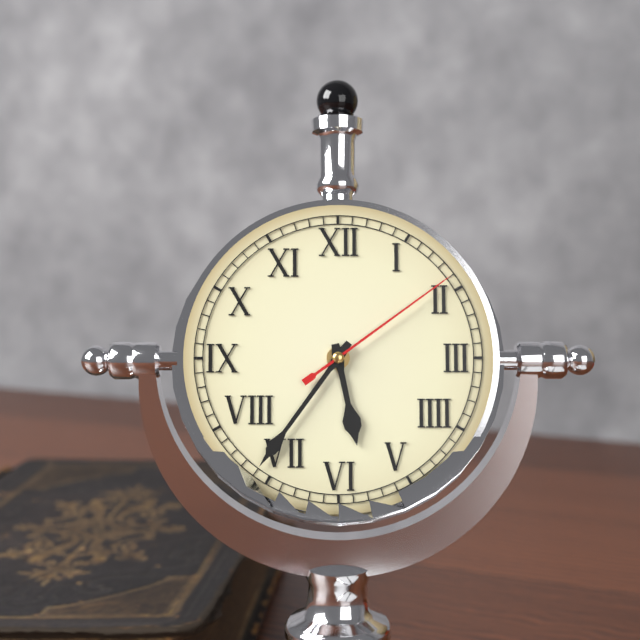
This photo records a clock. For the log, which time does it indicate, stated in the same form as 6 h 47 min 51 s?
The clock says 5 h 36 min 09 s
